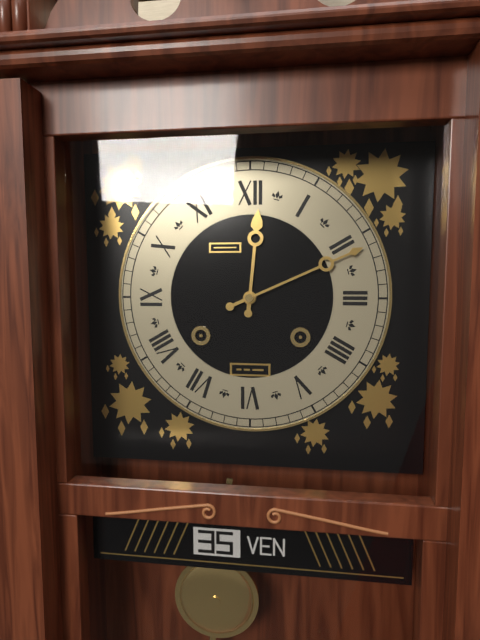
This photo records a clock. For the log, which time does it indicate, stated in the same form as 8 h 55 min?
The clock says 12 h 11 min
